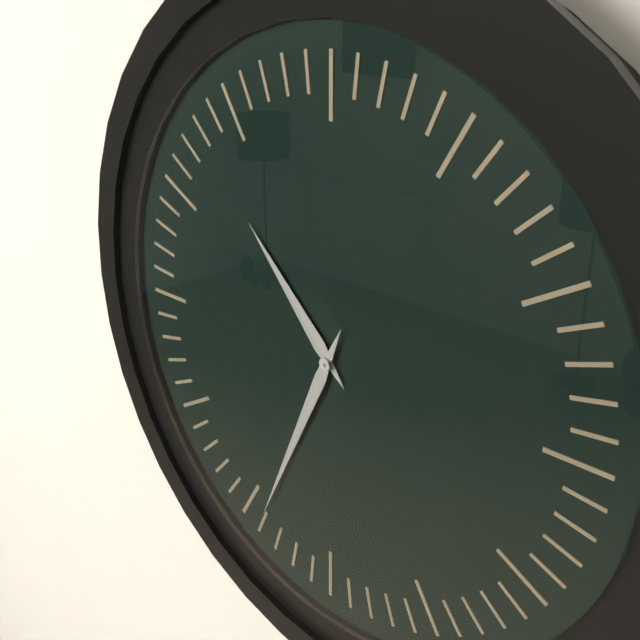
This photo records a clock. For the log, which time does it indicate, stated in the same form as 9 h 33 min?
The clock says 10 h 34 min
